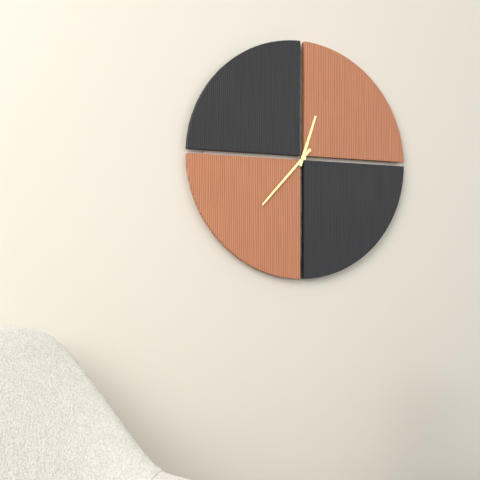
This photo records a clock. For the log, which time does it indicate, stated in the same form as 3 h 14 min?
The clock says 12 h 37 min
